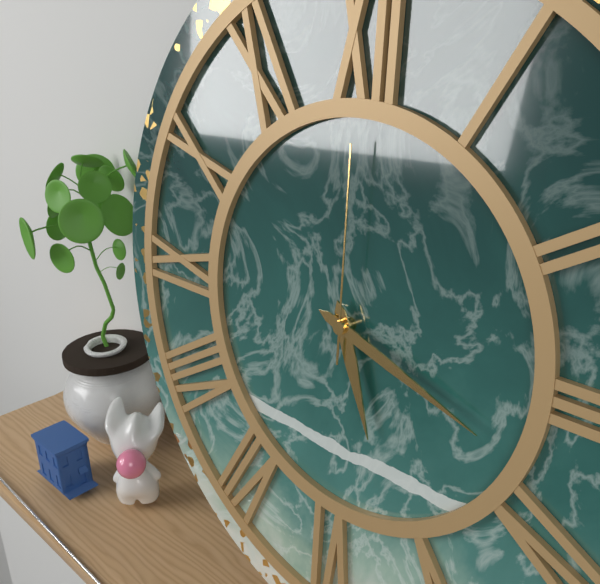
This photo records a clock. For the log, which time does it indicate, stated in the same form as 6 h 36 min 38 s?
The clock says 5 h 18 min 00 s
